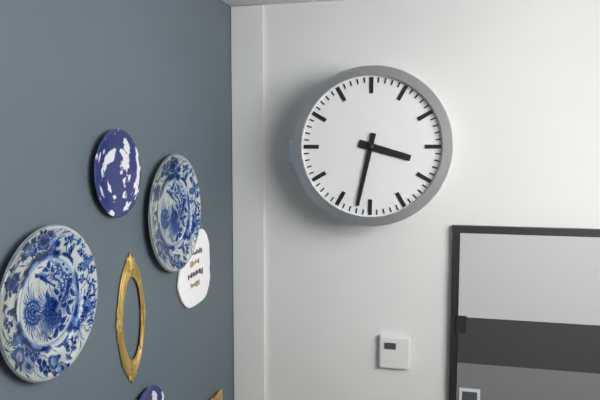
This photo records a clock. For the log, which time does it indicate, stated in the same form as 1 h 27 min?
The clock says 3 h 32 min
